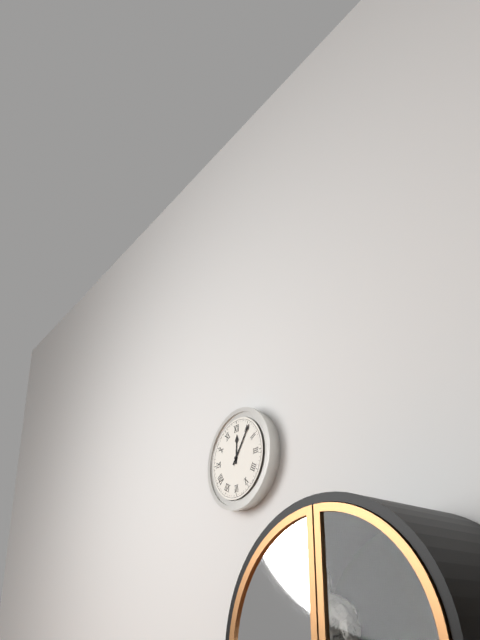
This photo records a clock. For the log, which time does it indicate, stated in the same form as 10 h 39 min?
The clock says 12 h 06 min
